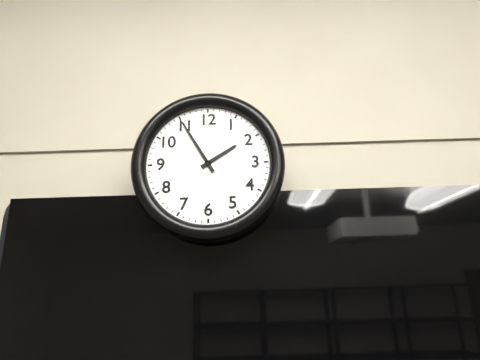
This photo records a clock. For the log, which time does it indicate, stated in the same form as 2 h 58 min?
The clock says 1 h 55 min
